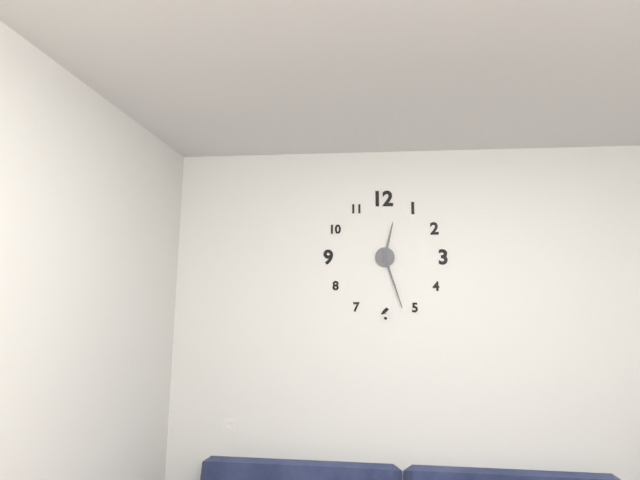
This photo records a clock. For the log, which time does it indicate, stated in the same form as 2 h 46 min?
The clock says 12 h 27 min
